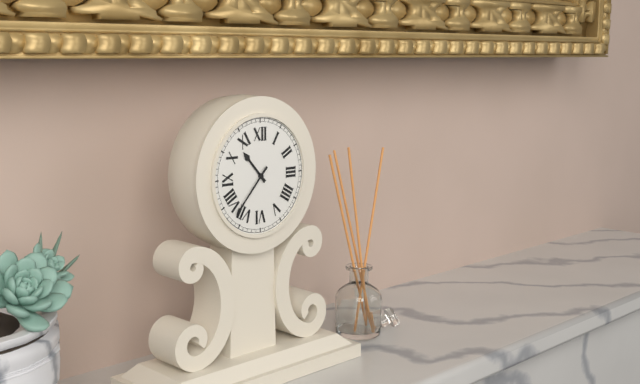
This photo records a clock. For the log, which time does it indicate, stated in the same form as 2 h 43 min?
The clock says 10 h 37 min
